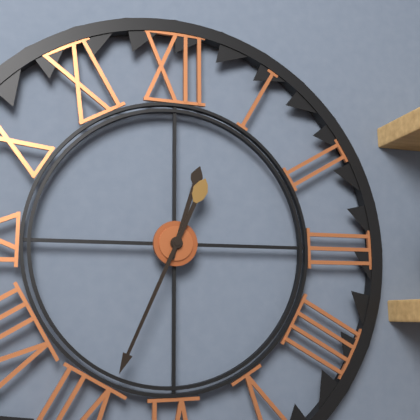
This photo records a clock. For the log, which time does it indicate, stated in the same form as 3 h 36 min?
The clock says 12 h 34 min
